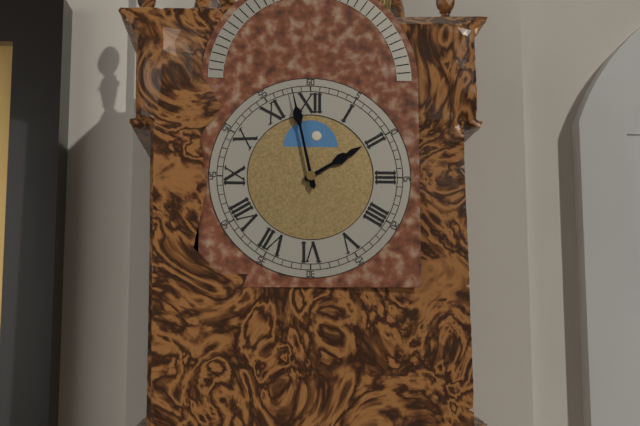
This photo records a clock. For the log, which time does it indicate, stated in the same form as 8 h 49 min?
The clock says 1 h 58 min
